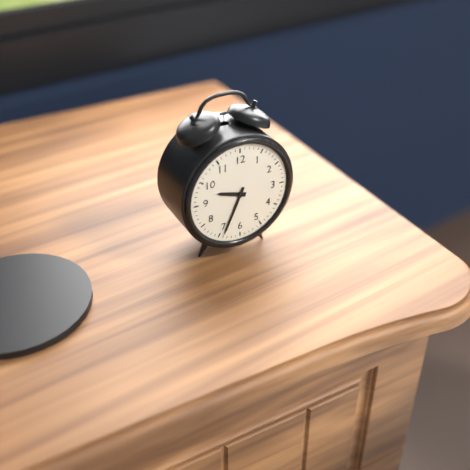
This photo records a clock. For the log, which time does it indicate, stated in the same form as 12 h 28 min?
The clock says 9 h 34 min
